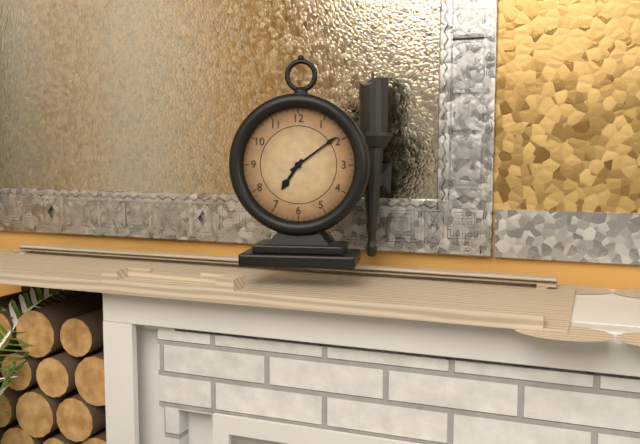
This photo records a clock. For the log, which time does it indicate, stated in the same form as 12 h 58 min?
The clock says 7 h 09 min
